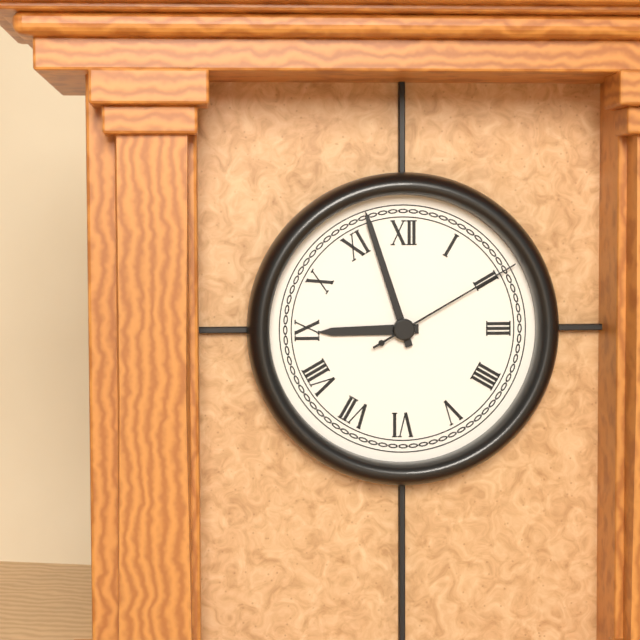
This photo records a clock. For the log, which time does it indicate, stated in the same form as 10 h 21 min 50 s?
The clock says 8 h 57 min 10 s
